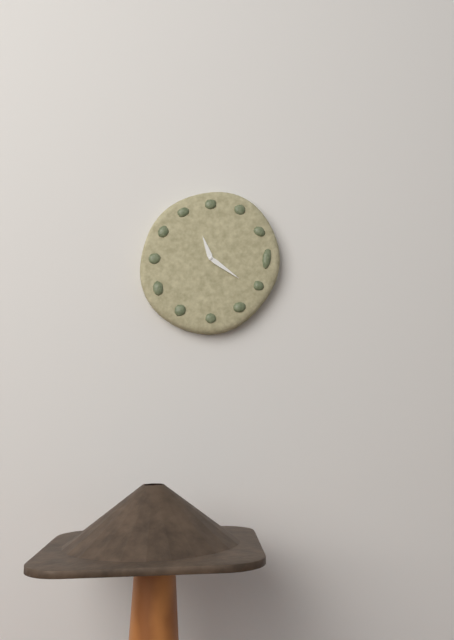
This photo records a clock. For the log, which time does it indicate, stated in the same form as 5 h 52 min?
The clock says 11 h 21 min
